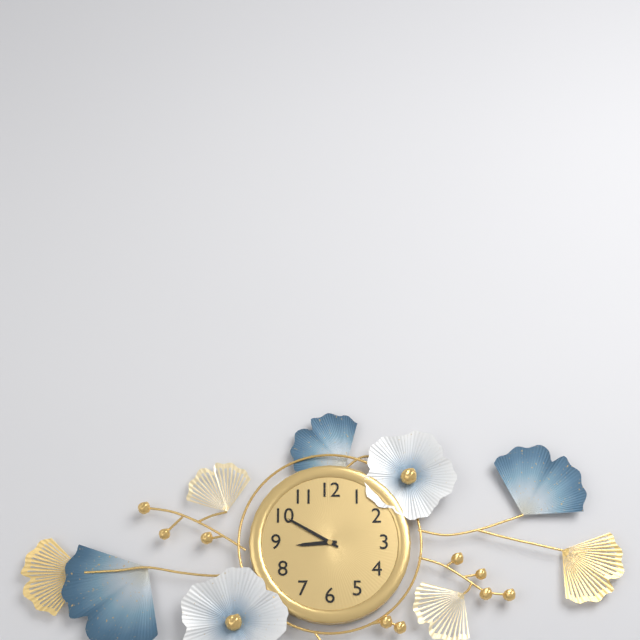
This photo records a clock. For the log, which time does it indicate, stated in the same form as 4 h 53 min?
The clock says 8 h 50 min
